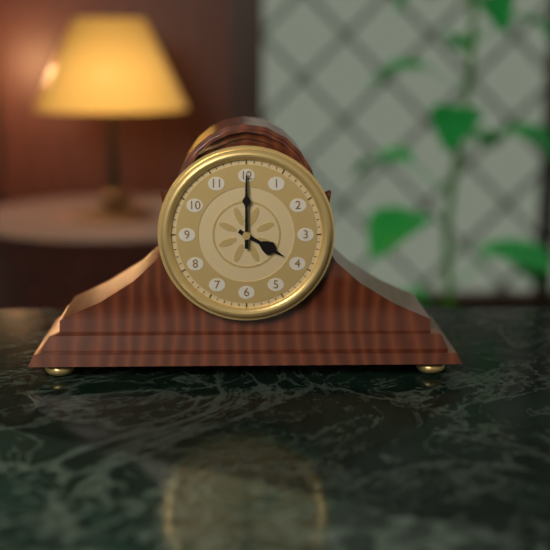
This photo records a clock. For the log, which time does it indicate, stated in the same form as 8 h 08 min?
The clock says 4 h 00 min
